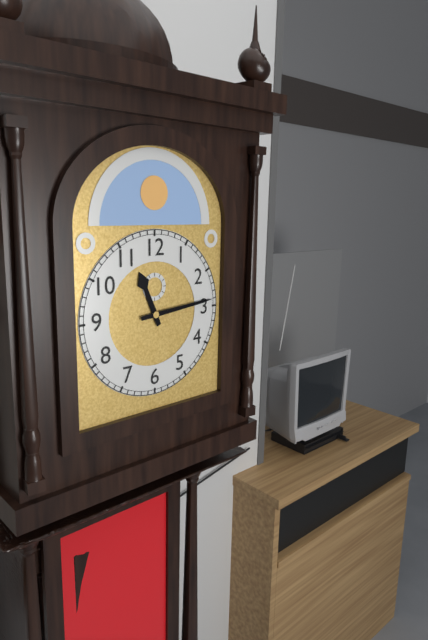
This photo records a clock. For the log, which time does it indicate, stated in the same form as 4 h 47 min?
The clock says 11 h 14 min
